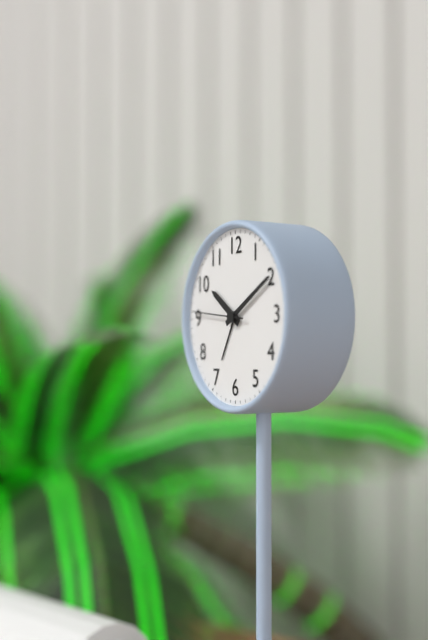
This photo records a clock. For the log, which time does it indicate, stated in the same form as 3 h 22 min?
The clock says 10 h 10 min
